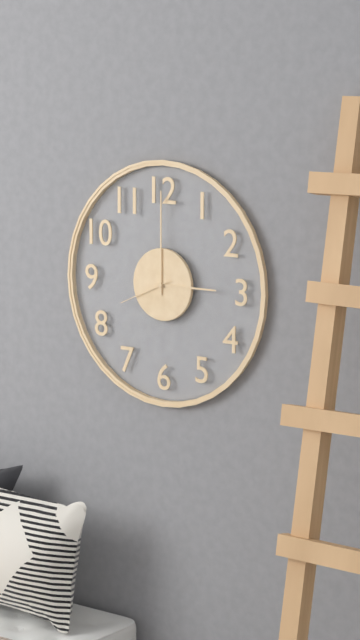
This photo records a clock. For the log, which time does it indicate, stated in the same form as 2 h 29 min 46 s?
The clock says 3 h 00 min 41 s
